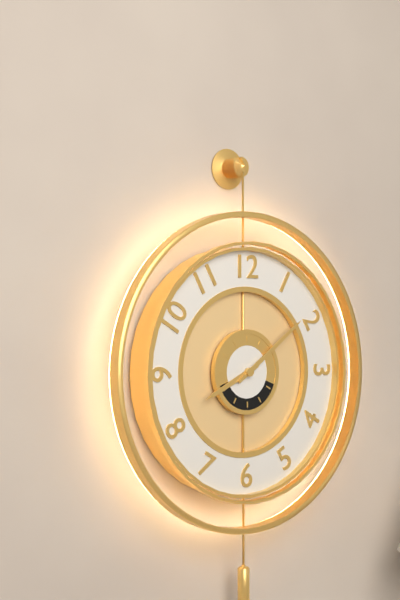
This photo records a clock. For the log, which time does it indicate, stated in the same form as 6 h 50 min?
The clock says 8 h 09 min
